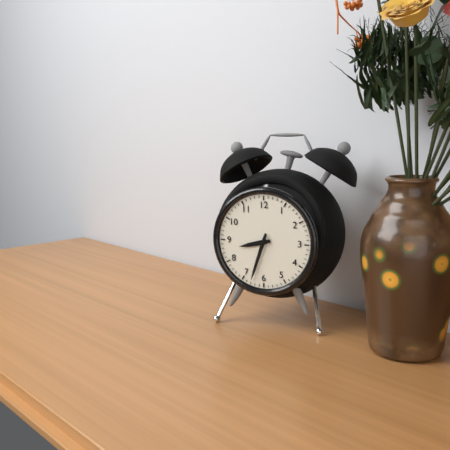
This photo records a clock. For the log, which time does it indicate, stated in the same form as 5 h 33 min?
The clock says 8 h 33 min
